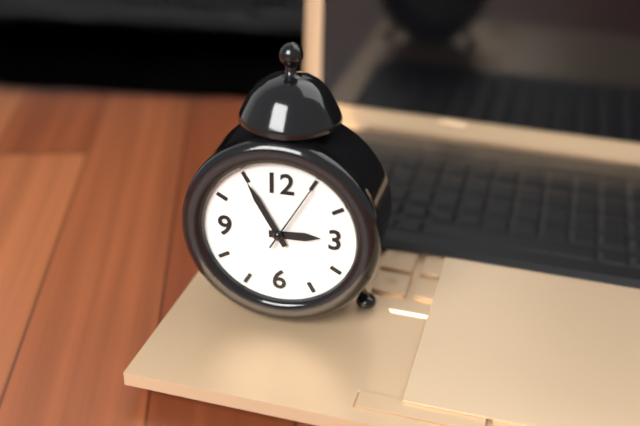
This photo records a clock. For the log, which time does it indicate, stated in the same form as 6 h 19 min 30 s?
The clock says 2 h 55 min 05 s
